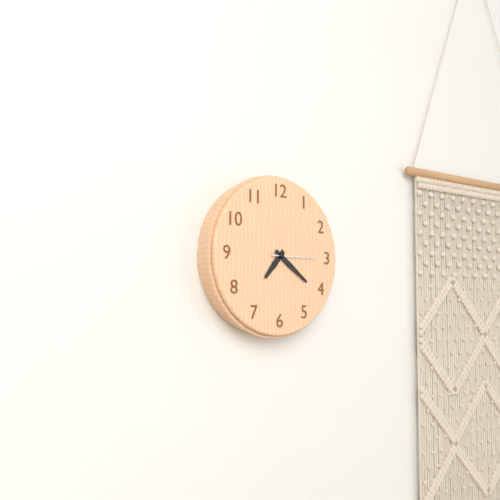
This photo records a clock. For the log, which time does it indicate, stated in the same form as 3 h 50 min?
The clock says 7 h 21 min
